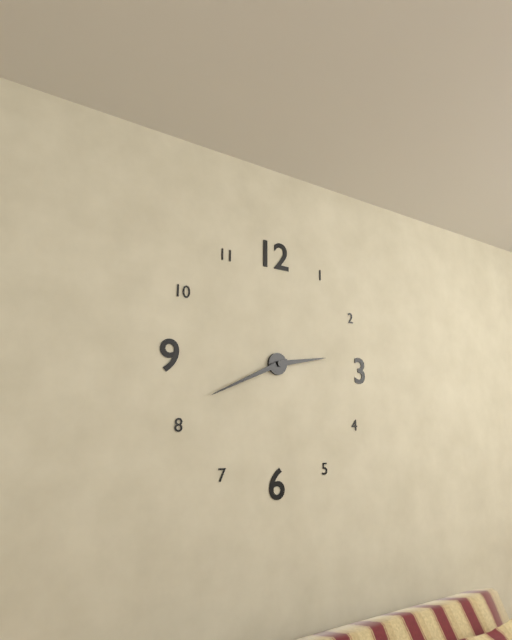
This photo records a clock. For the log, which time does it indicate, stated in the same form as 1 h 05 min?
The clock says 2 h 41 min
